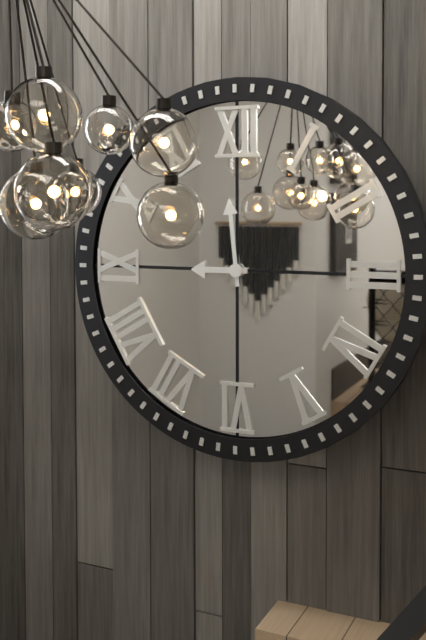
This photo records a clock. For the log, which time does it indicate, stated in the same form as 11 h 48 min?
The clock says 8 h 59 min
